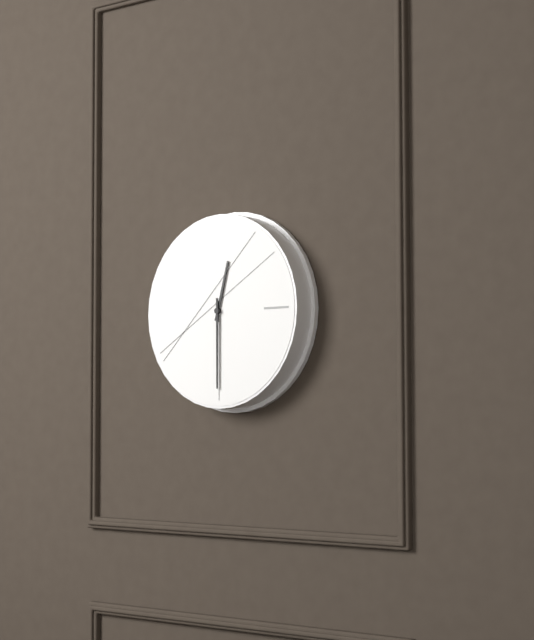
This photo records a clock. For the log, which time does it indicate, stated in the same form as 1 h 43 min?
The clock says 12 h 30 min
